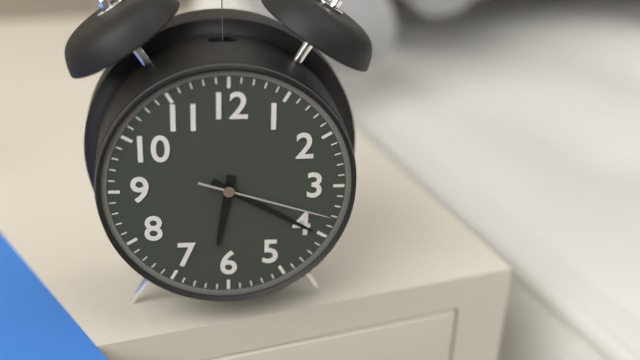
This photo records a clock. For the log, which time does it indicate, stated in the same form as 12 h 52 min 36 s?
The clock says 6 h 20 min 18 s
